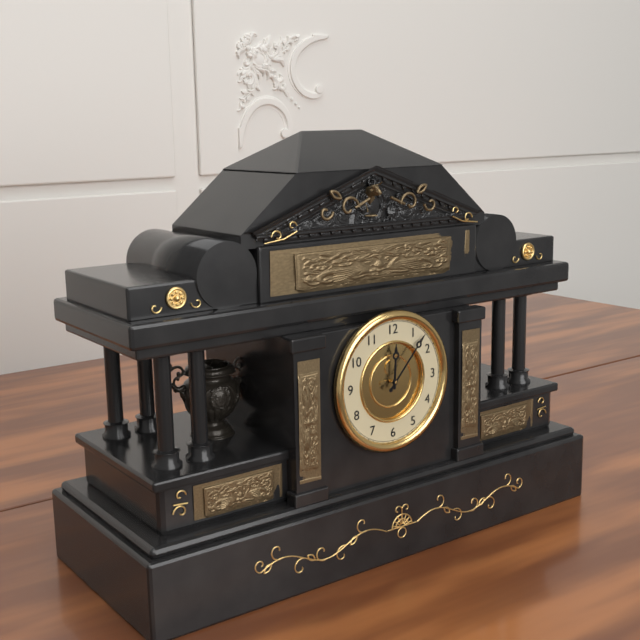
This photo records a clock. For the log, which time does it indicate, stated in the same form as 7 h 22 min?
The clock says 12 h 07 min
